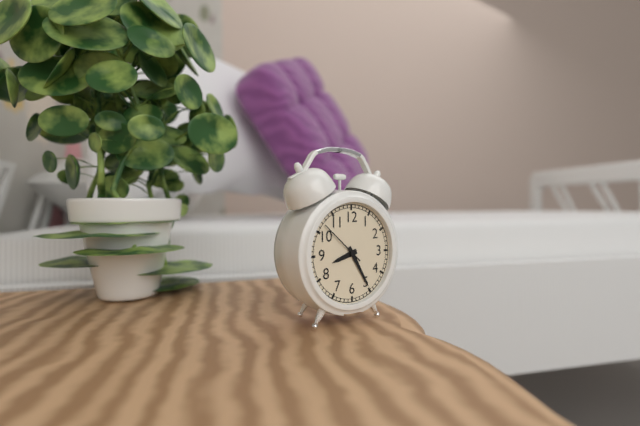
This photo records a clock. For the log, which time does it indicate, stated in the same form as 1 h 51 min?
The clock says 8 h 25 min
